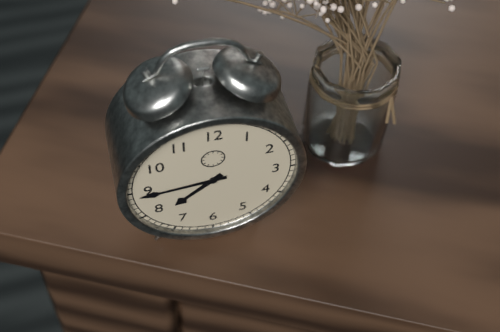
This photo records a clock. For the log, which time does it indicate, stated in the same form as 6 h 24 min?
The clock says 7 h 44 min
